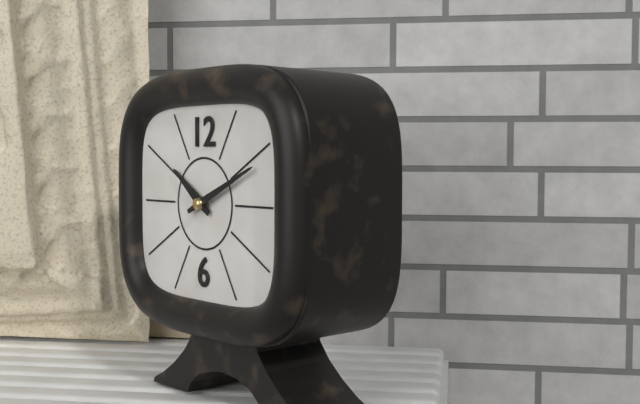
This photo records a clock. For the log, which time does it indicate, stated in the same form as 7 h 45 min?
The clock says 10 h 11 min
